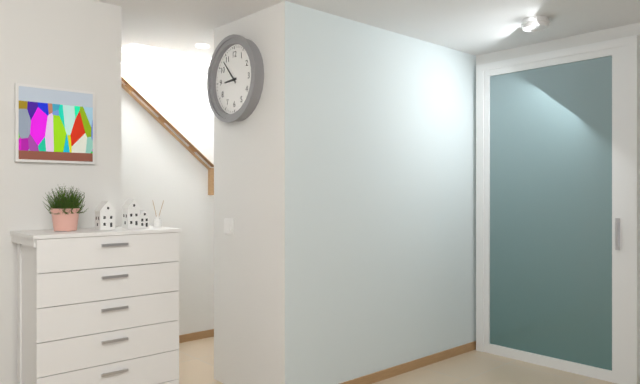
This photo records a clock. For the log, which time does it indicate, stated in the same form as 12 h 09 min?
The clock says 8 h 53 min
